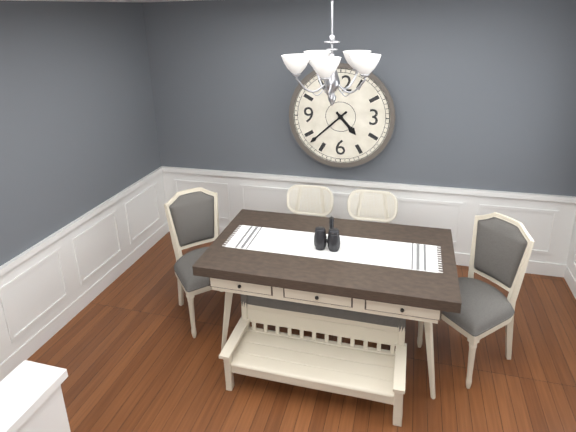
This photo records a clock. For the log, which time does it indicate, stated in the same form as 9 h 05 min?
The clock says 4 h 38 min
